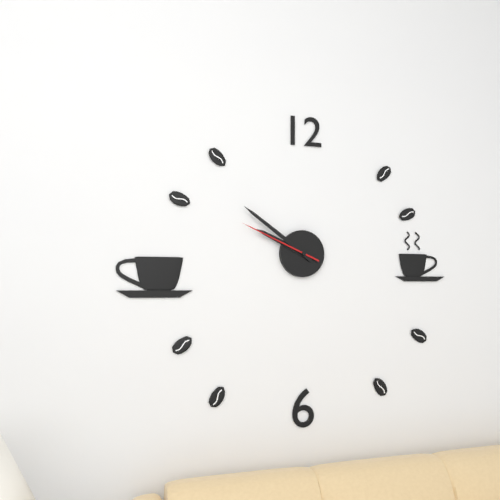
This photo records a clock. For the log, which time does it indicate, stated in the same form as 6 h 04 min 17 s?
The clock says 9 h 51 min 49 s
